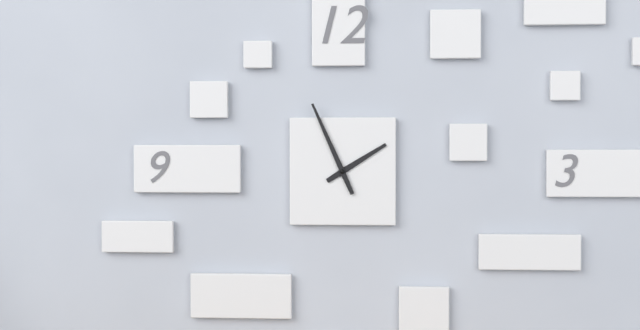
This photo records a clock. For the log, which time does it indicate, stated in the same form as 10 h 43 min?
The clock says 1 h 56 min
